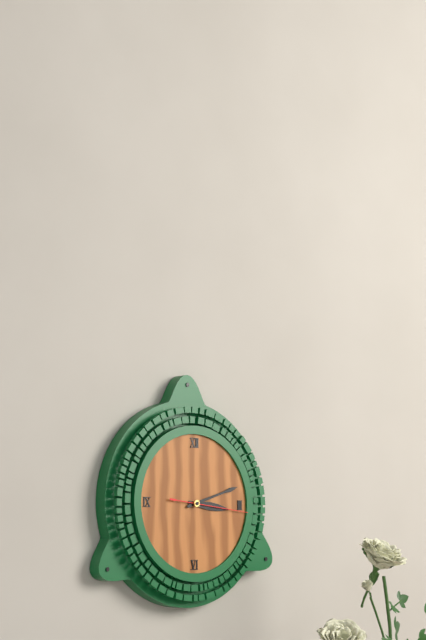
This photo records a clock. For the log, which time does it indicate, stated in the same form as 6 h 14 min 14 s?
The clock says 3 h 12 min 16 s
